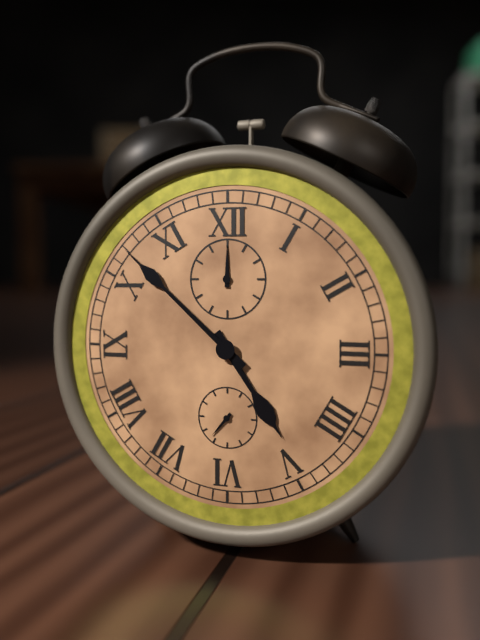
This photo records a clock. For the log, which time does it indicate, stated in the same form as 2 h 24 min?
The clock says 4 h 52 min
